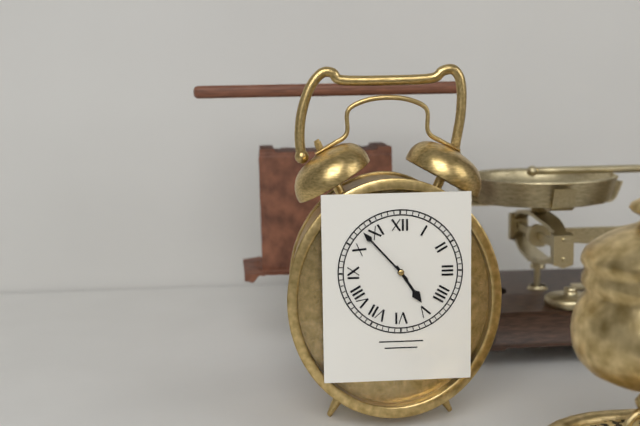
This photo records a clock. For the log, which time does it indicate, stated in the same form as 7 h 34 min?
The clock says 4 h 53 min
